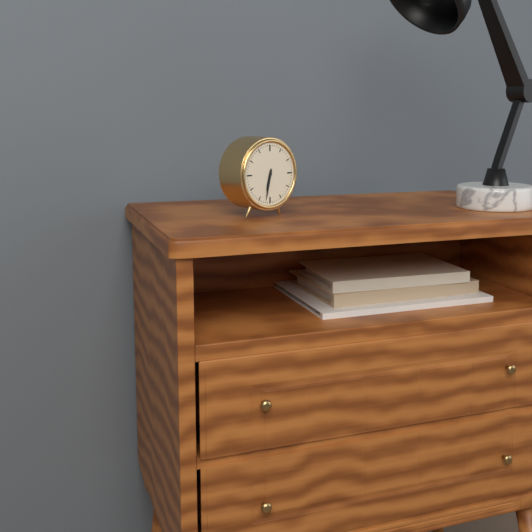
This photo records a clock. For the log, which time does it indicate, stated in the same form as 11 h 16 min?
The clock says 6 h 32 min
